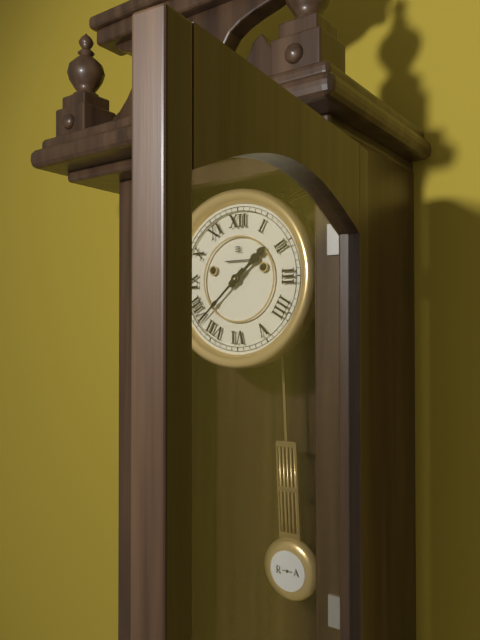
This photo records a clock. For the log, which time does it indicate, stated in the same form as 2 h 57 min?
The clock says 1 h 38 min
